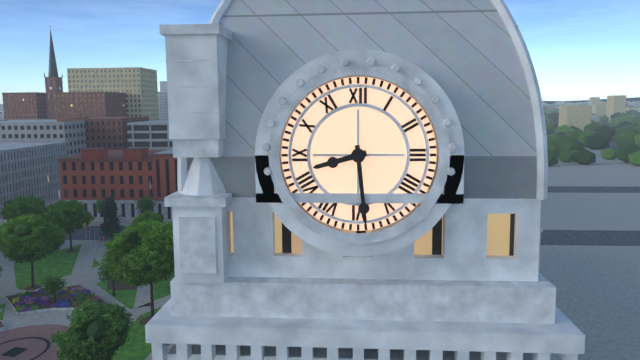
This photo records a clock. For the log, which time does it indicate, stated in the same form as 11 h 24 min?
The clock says 8 h 29 min
